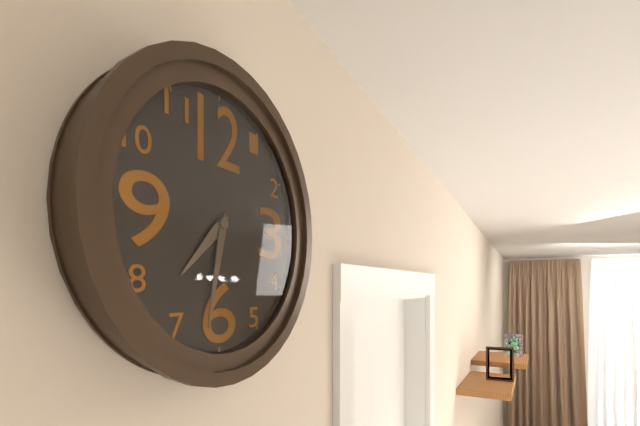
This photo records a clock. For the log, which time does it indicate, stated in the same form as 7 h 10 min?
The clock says 7 h 32 min
